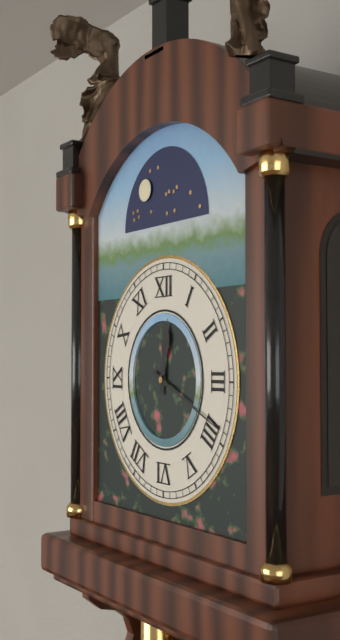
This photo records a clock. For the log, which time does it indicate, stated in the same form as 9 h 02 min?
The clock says 12 h 19 min
